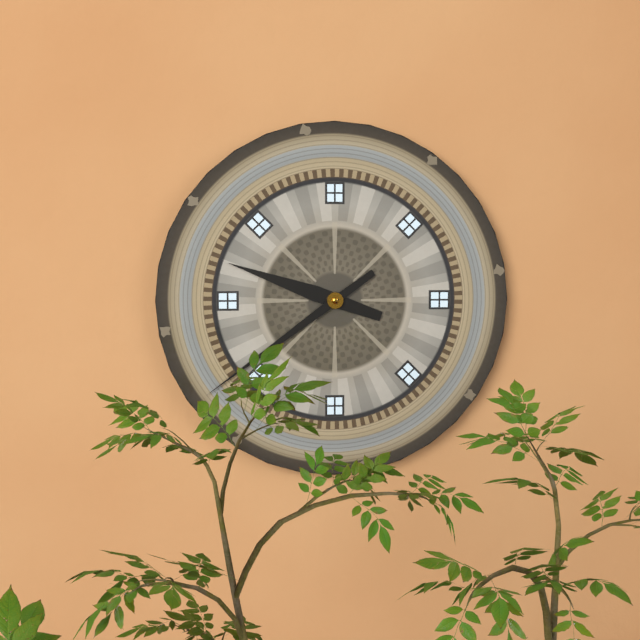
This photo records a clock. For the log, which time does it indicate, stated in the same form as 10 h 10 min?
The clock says 9 h 39 min
